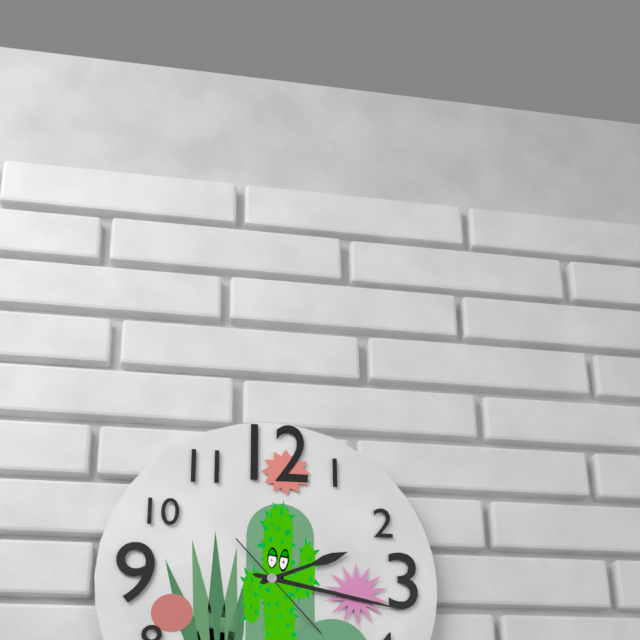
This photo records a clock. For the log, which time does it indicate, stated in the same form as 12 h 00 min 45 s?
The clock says 2 h 17 min 23 s
